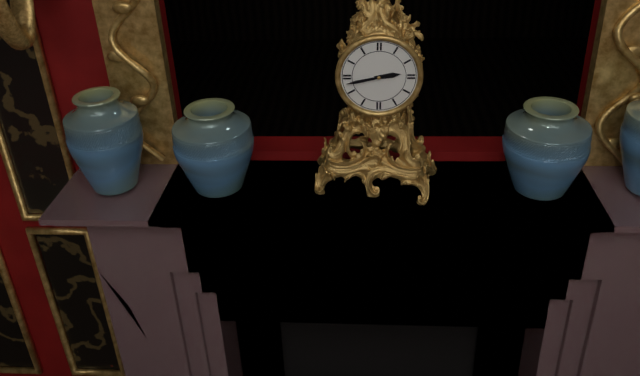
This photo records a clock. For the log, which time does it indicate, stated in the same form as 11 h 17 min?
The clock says 2 h 43 min
